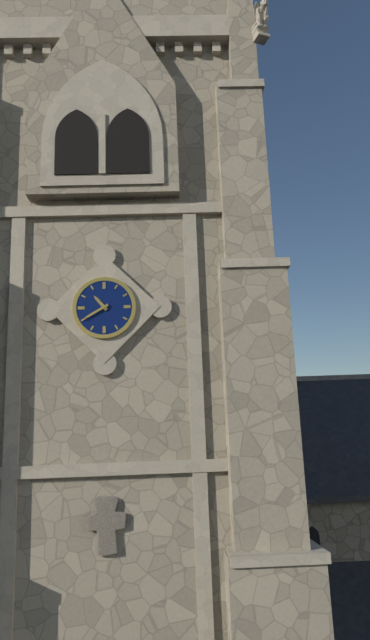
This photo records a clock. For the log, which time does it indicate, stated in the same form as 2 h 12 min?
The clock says 10 h 40 min
